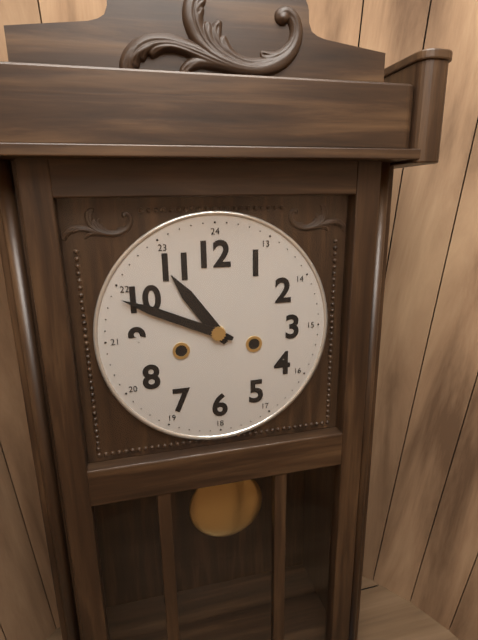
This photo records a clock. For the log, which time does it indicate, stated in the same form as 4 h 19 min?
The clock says 10 h 49 min
